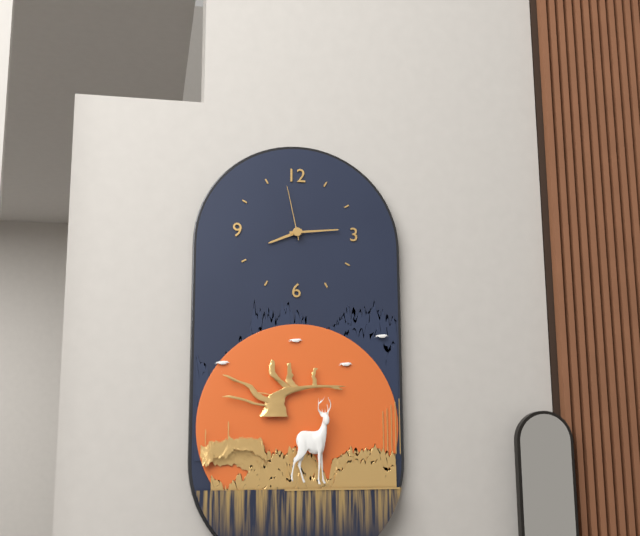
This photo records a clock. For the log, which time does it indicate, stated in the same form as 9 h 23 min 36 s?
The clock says 8 h 14 min 58 s
